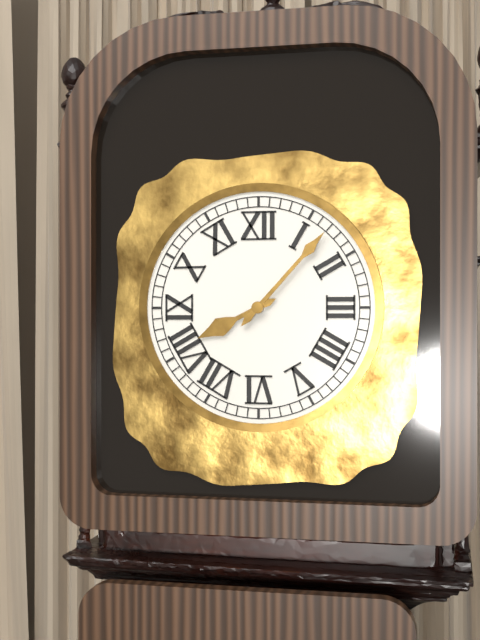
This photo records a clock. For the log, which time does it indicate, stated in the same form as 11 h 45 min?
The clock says 8 h 07 min
